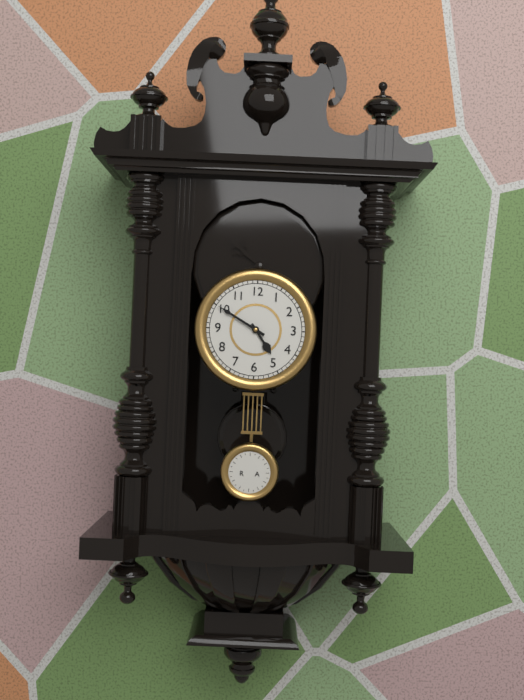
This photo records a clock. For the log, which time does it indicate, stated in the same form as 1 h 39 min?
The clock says 4 h 50 min
